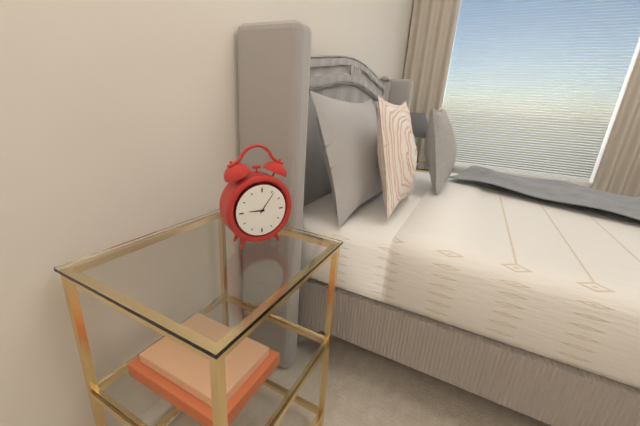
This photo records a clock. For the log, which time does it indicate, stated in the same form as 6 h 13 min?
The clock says 9 h 06 min
